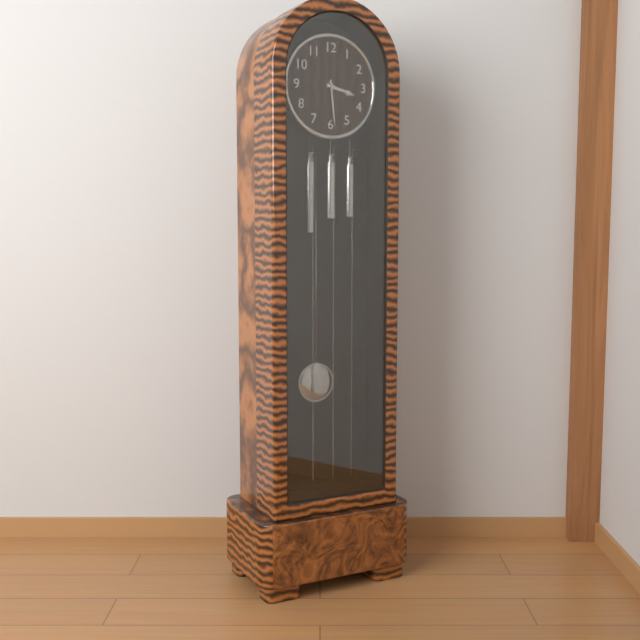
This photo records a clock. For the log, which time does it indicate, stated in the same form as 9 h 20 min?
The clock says 3 h 29 min
